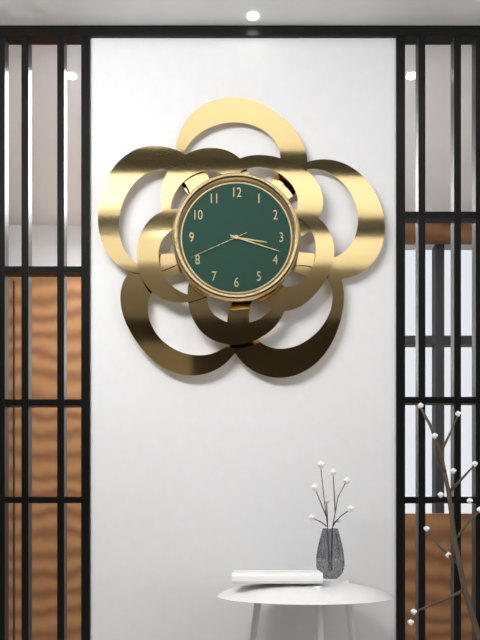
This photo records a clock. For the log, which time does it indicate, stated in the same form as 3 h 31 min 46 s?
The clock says 3 h 18 min 41 s
